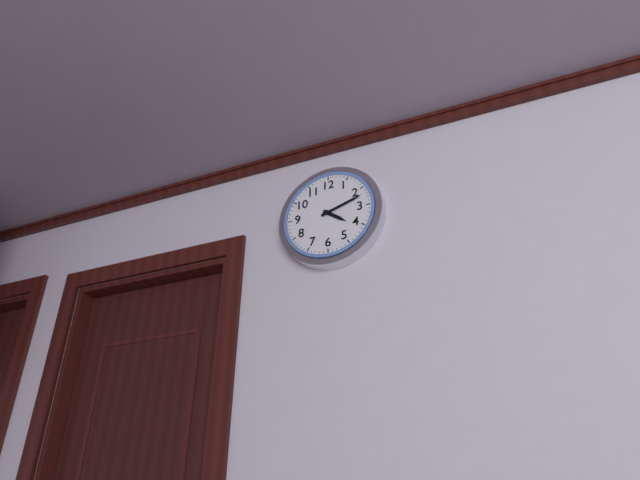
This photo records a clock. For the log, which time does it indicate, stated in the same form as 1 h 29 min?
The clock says 4 h 12 min
